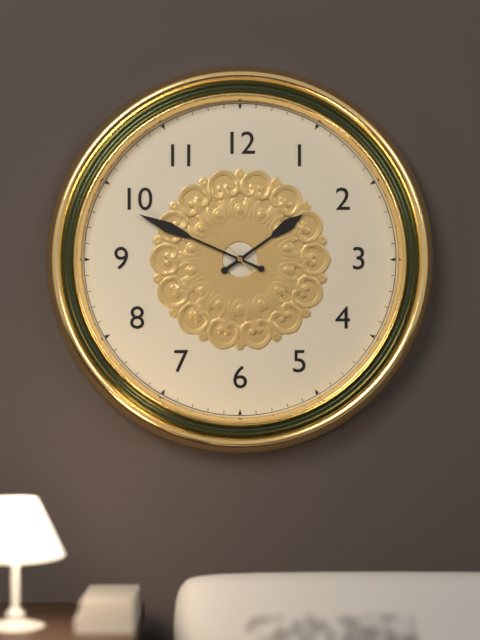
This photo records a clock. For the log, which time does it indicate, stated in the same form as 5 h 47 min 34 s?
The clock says 1 h 49 min 53 s
